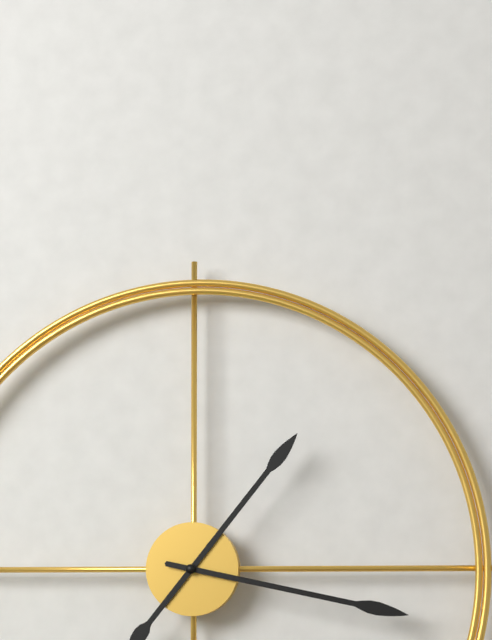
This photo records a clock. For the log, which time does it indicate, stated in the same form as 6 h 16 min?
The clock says 1 h 17 min
